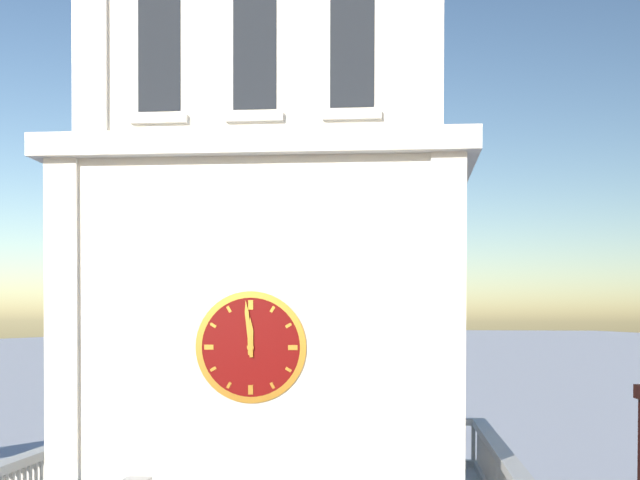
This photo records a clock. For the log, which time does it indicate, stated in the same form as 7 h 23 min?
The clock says 11 h 59 min
